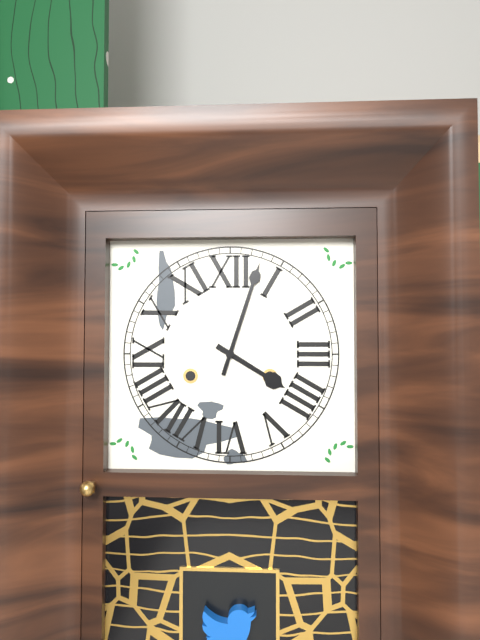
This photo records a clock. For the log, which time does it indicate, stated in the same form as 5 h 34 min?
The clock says 4 h 03 min
